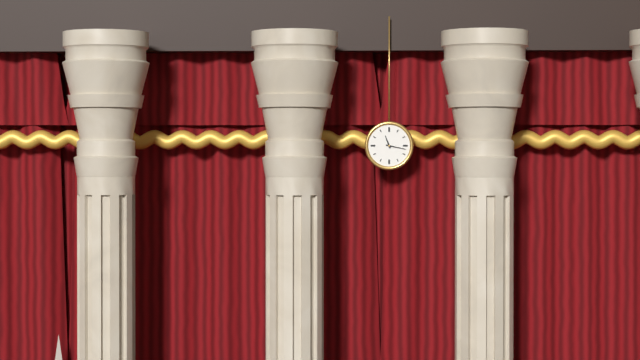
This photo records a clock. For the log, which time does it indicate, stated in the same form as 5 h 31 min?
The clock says 11 h 17 min
